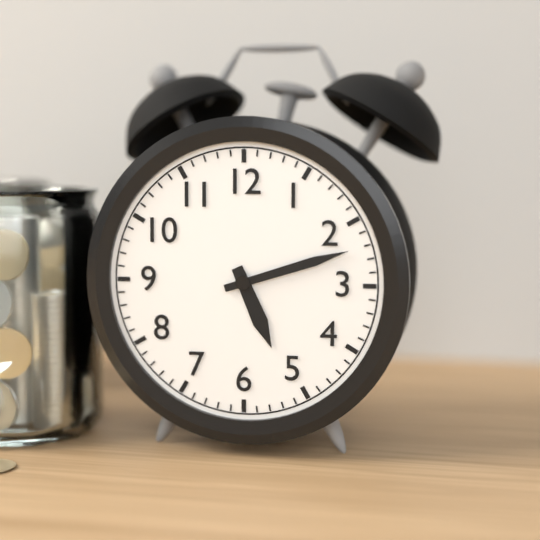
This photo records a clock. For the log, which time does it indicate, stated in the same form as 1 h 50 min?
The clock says 5 h 12 min
